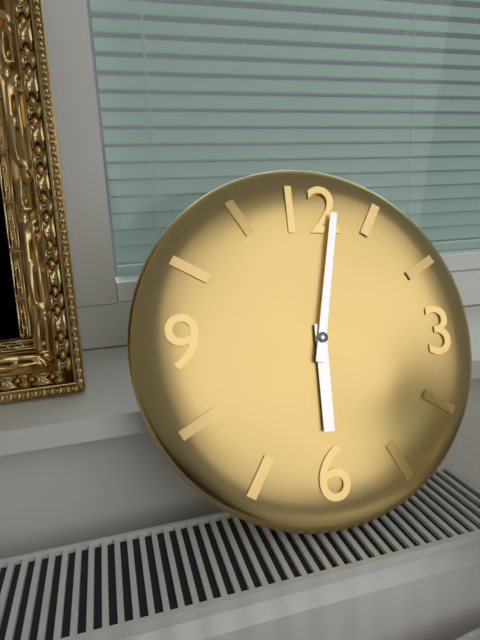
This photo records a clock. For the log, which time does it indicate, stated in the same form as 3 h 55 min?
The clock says 6 h 02 min
